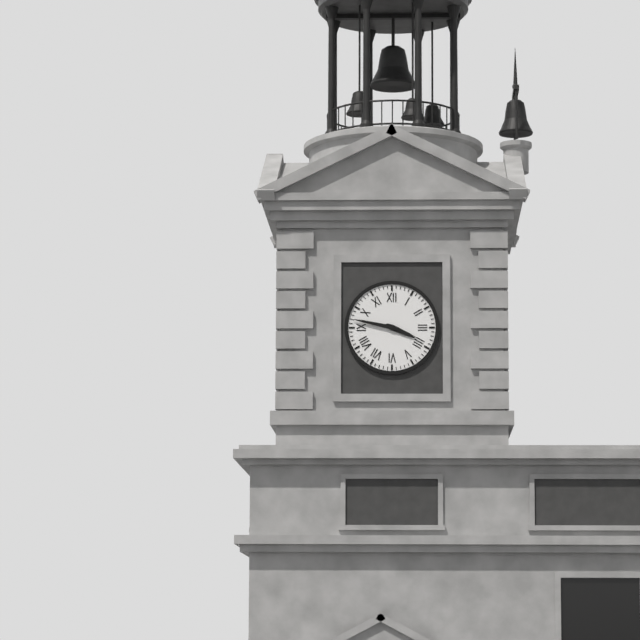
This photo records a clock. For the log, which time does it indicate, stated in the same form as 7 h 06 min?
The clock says 3 h 47 min
